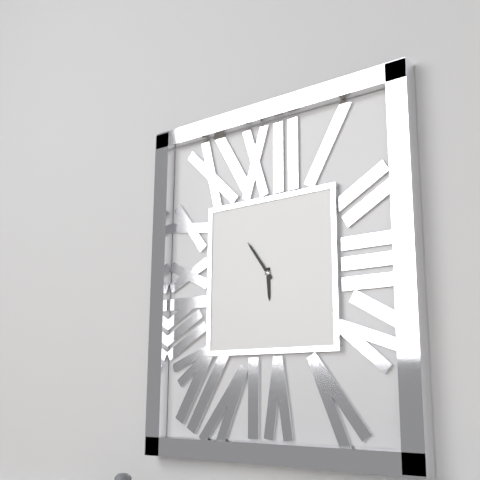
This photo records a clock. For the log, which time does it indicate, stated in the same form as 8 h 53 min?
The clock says 5 h 54 min
